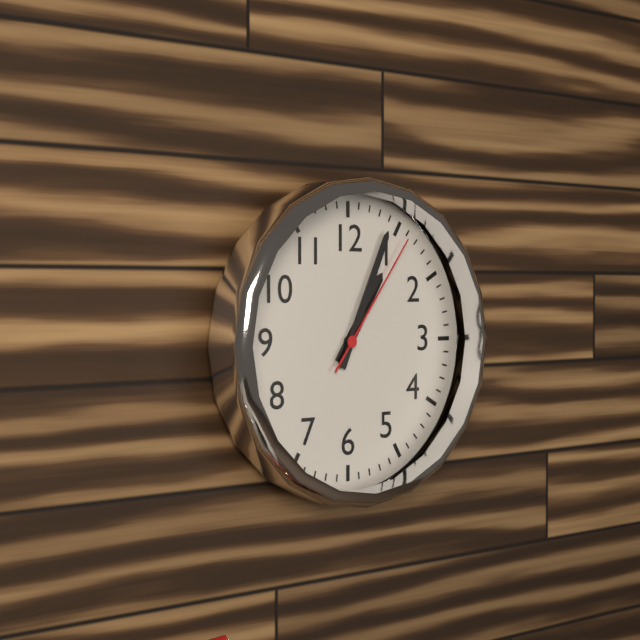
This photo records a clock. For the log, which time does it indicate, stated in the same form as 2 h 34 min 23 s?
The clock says 1 h 04 min 06 s
